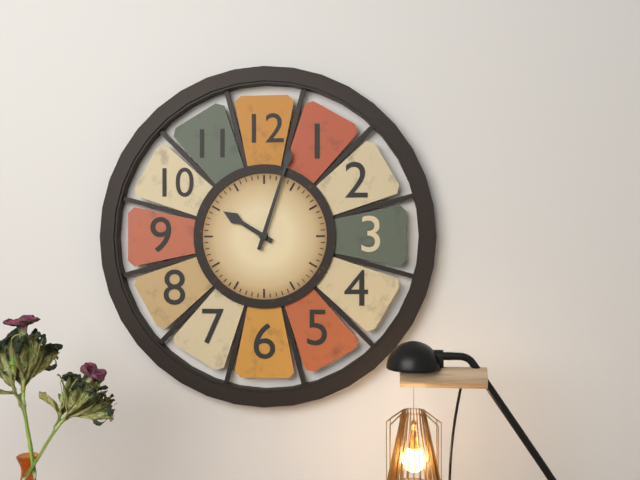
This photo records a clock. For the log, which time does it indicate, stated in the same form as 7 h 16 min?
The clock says 10 h 03 min
